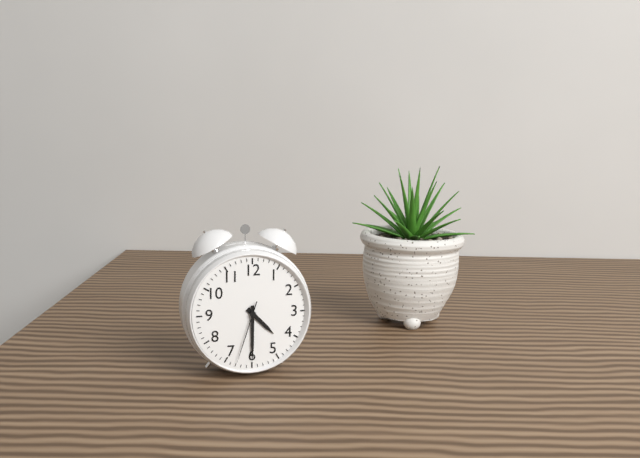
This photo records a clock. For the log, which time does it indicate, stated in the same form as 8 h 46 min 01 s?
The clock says 4 h 30 min 33 s
